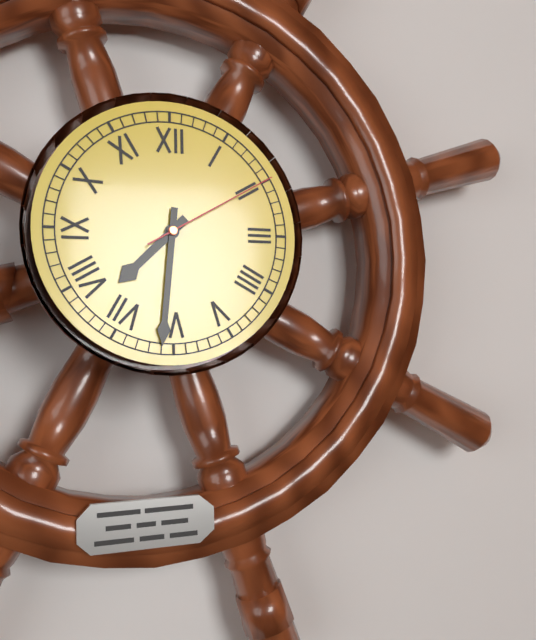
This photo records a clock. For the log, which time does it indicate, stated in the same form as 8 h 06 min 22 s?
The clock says 7 h 31 min 10 s
